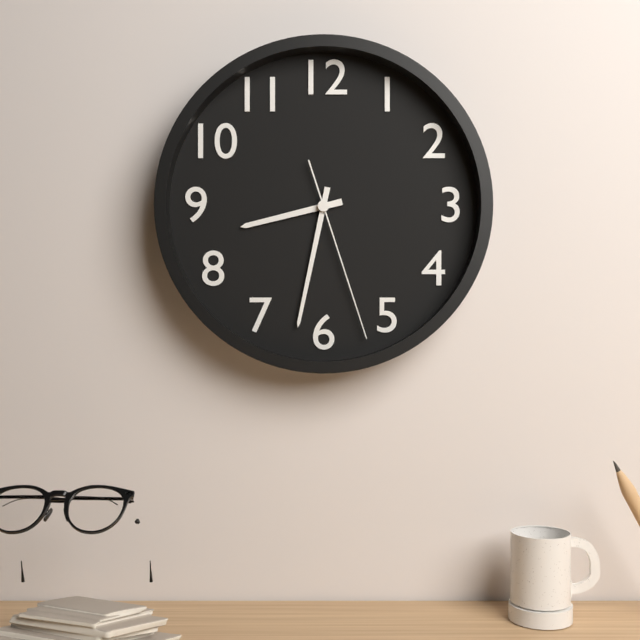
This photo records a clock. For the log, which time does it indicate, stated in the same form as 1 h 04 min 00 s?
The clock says 8 h 32 min 27 s
